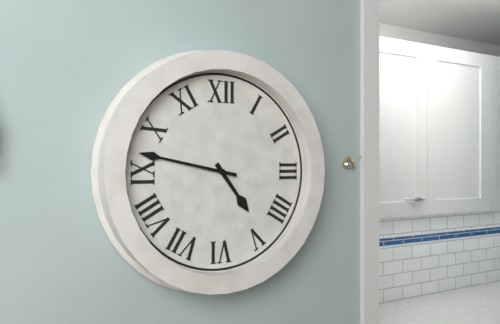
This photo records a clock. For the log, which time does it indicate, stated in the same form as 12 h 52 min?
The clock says 4 h 47 min
